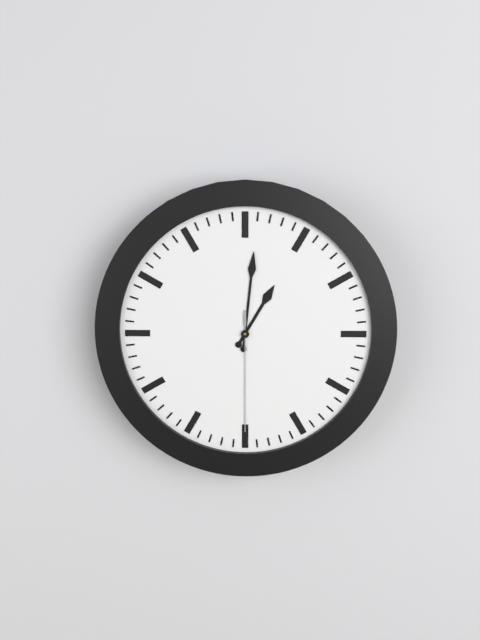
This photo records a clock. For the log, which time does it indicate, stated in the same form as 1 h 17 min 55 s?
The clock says 1 h 01 min 30 s
